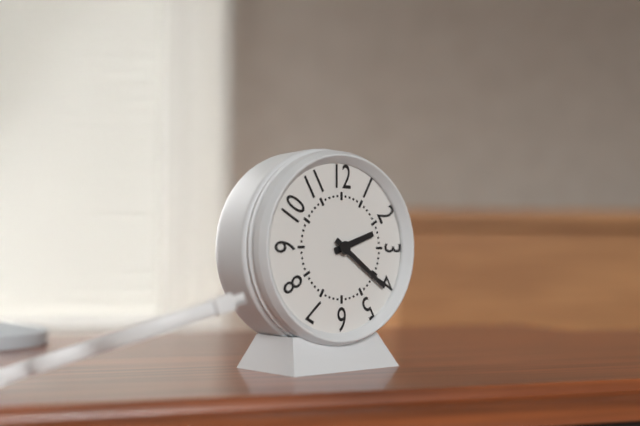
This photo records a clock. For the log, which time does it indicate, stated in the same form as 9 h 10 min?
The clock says 2 h 21 min
